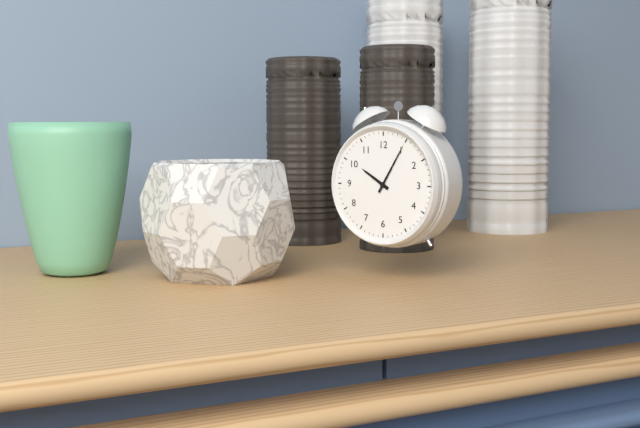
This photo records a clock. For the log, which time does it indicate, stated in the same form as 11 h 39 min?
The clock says 10 h 05 min
